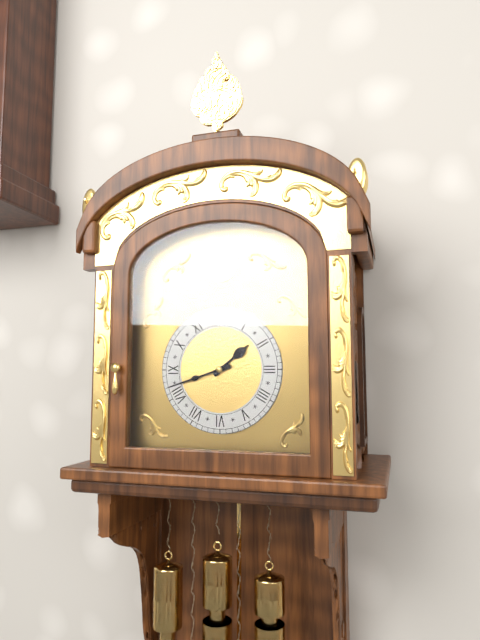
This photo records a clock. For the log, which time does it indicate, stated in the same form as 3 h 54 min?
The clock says 1 h 42 min
